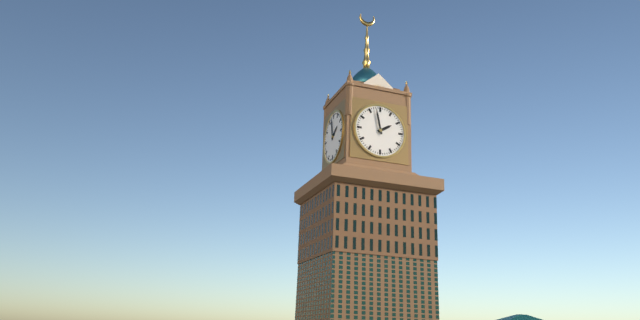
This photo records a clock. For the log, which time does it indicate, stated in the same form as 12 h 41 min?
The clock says 1 h 58 min
